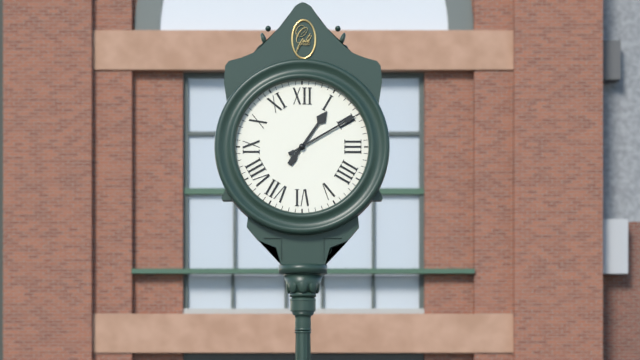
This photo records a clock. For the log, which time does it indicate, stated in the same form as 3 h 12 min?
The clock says 1 h 10 min
